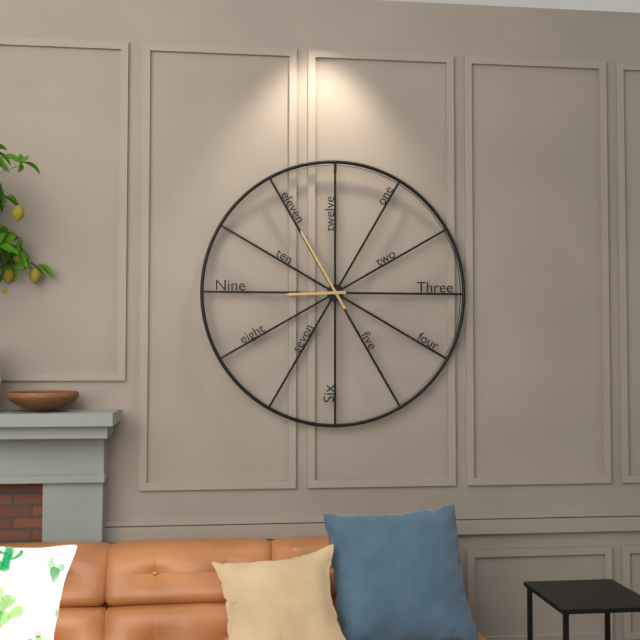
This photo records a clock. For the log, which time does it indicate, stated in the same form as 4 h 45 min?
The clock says 8 h 55 min
